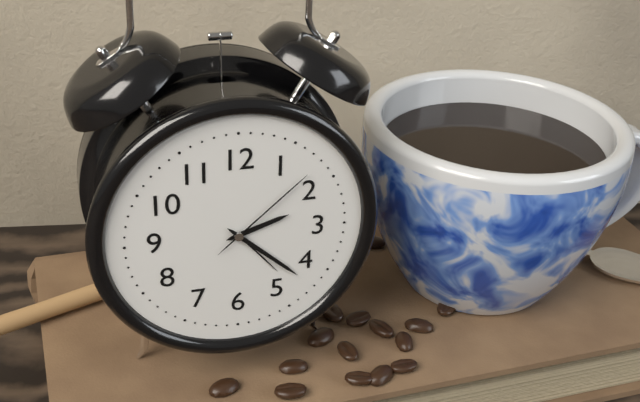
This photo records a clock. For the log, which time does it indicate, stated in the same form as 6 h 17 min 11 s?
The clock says 2 h 22 min 08 s
